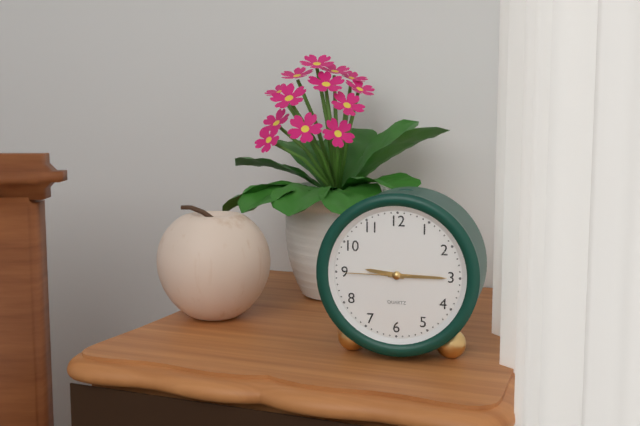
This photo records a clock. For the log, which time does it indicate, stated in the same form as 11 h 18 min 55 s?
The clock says 9 h 15 min 45 s
